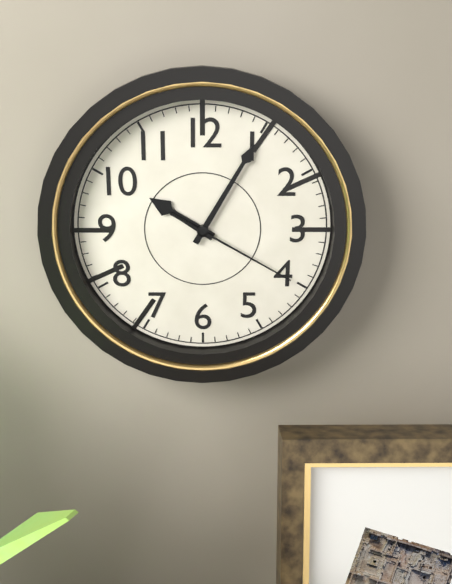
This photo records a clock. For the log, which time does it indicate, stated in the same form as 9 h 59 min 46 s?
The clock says 10 h 05 min 20 s
